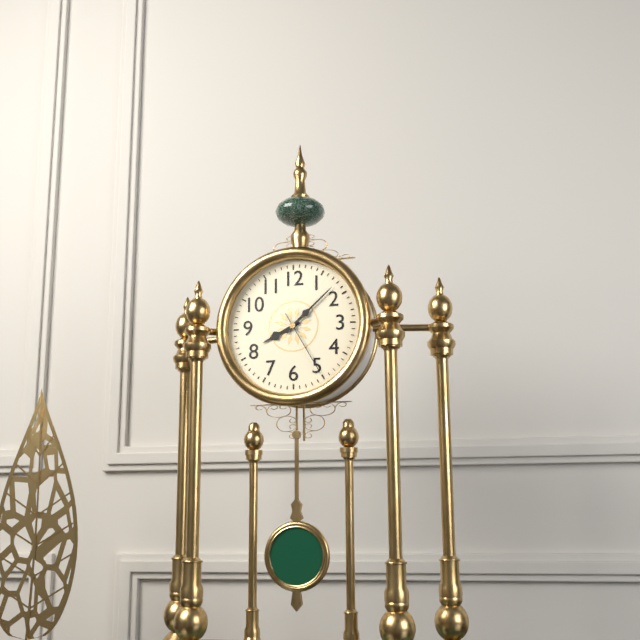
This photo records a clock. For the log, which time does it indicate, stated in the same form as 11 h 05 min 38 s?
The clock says 8 h 08 min 25 s
